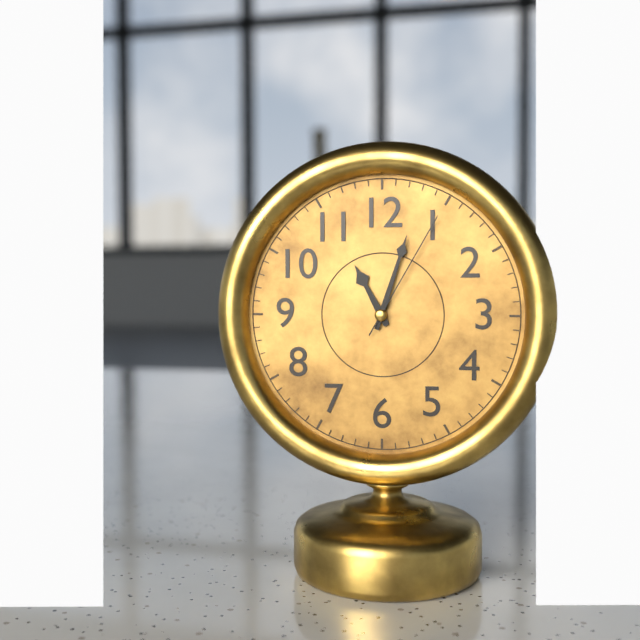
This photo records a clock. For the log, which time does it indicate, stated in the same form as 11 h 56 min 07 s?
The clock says 11 h 03 min 05 s
